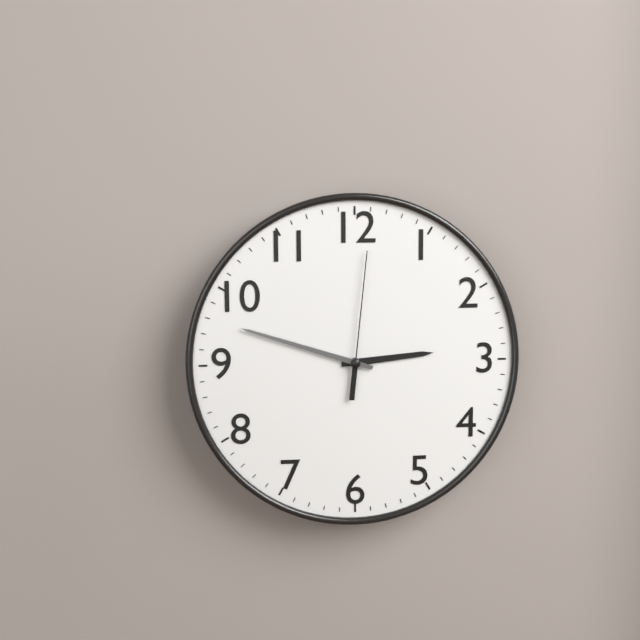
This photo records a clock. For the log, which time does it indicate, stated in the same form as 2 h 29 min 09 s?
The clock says 2 h 48 min 01 s
